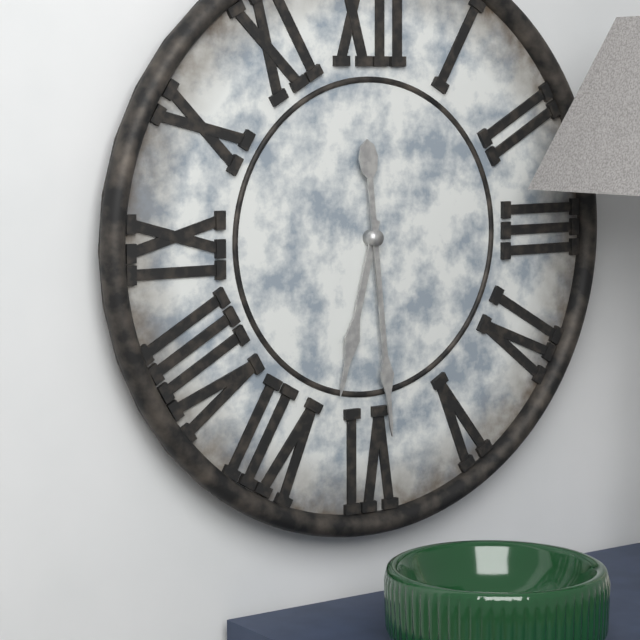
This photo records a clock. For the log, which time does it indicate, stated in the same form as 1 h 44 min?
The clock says 6 h 29 min
